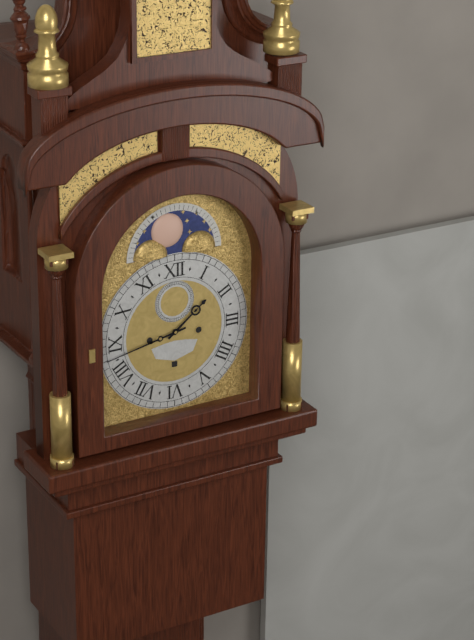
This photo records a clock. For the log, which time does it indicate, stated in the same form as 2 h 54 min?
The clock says 1 h 43 min
